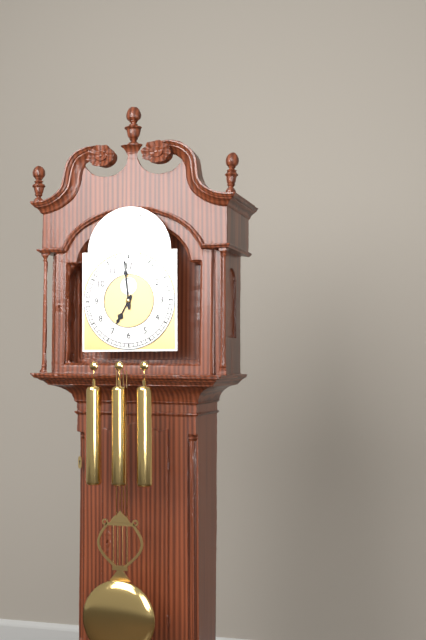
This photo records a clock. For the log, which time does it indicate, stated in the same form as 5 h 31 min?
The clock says 6 h 59 min
